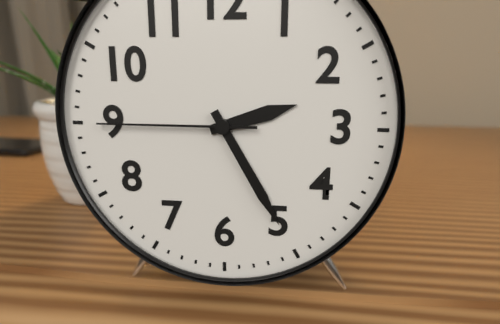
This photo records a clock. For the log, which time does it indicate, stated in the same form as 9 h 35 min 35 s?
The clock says 2 h 25 min 45 s
